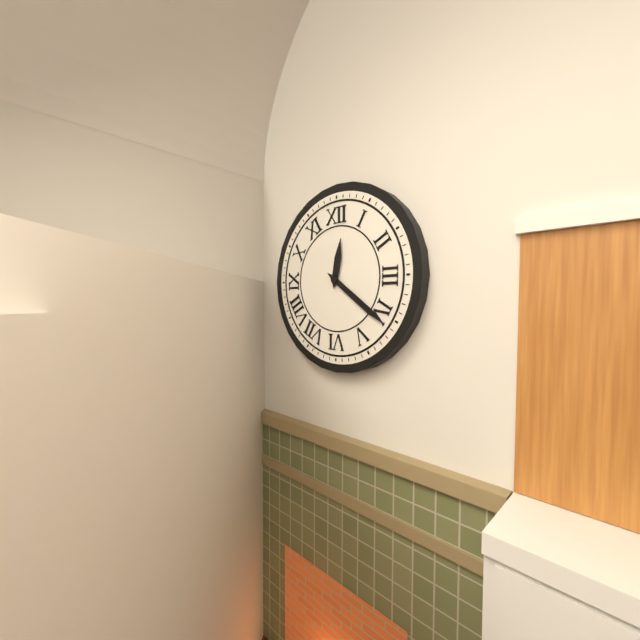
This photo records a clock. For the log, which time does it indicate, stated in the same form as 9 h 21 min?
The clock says 12 h 21 min
